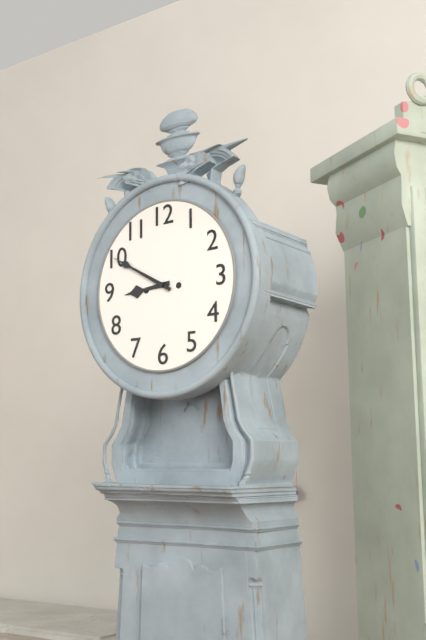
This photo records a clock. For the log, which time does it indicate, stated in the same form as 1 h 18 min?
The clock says 8 h 50 min
